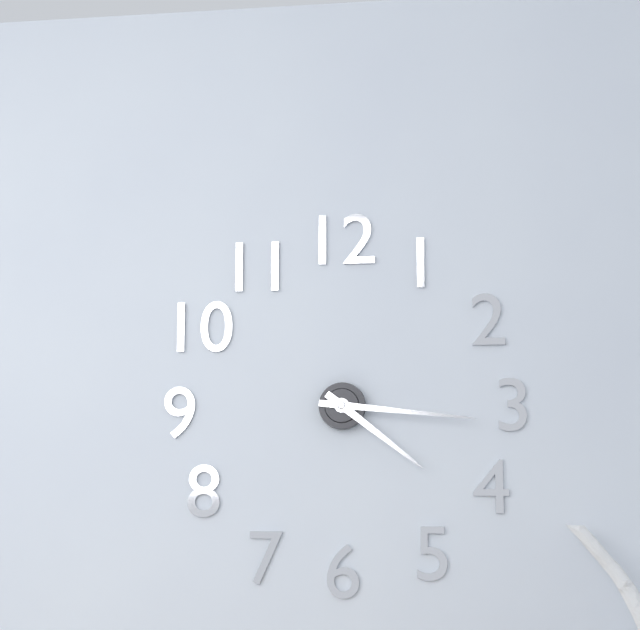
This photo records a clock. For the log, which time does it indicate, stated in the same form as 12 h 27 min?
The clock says 4 h 16 min
